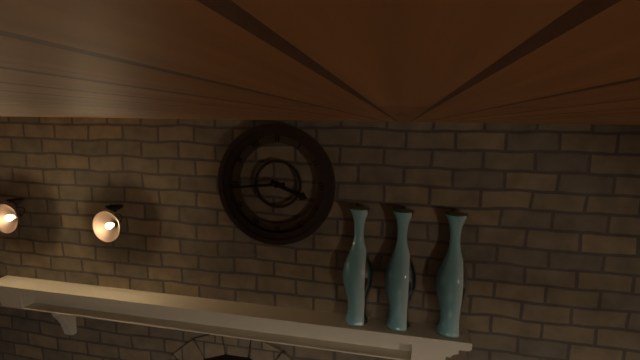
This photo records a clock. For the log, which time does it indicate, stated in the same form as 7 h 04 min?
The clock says 3 h 44 min
